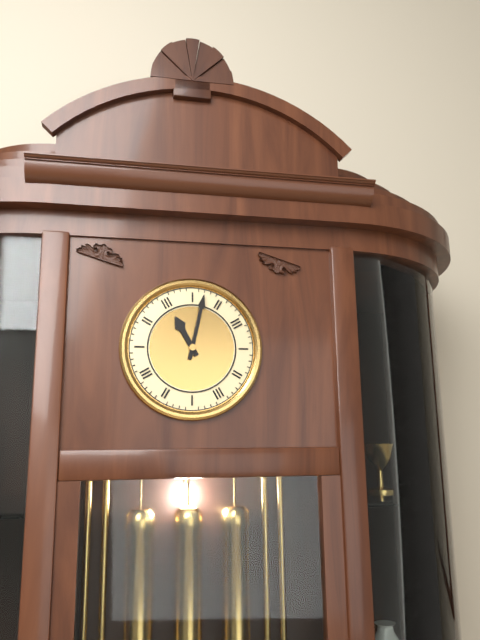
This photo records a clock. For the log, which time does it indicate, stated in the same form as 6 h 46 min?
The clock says 11 h 02 min
